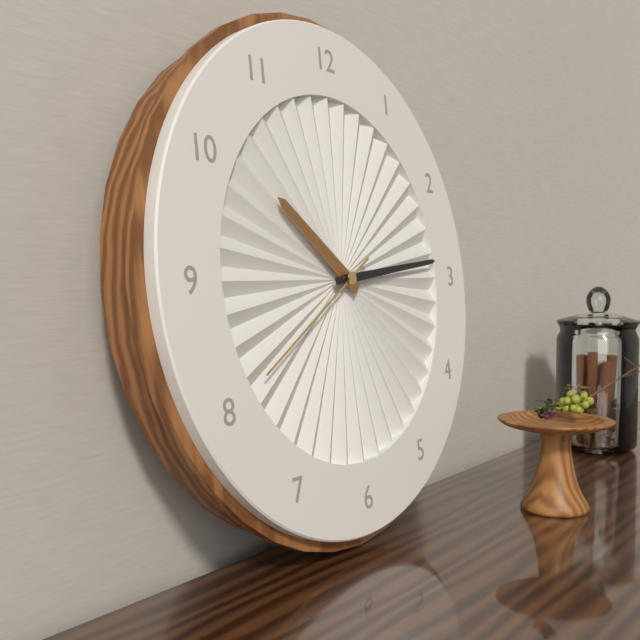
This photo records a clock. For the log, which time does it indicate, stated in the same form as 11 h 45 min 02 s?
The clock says 10 h 14 min 40 s
